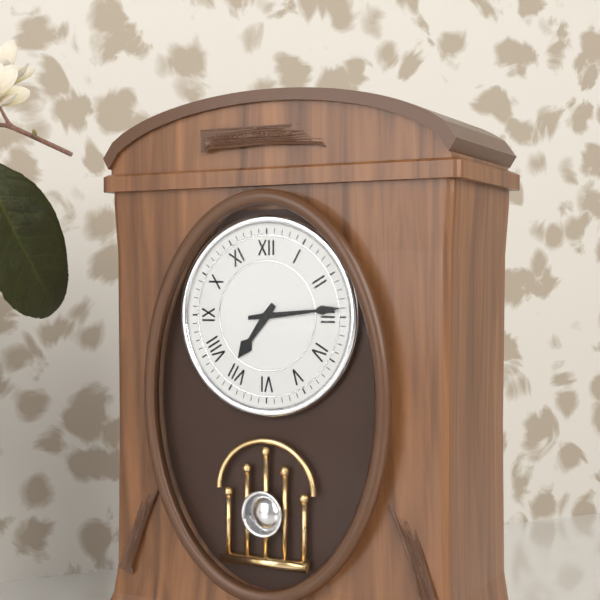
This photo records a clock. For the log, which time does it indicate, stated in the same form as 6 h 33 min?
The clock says 7 h 14 min
